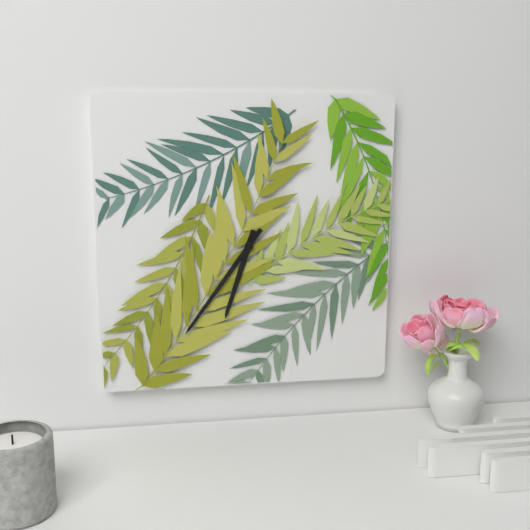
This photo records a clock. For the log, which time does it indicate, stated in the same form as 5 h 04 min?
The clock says 6 h 36 min
